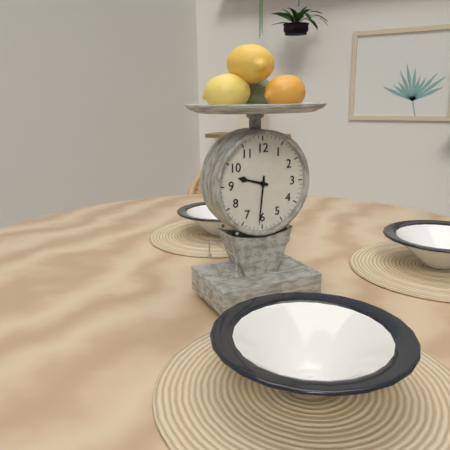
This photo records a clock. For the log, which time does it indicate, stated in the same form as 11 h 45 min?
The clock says 9 h 31 min
